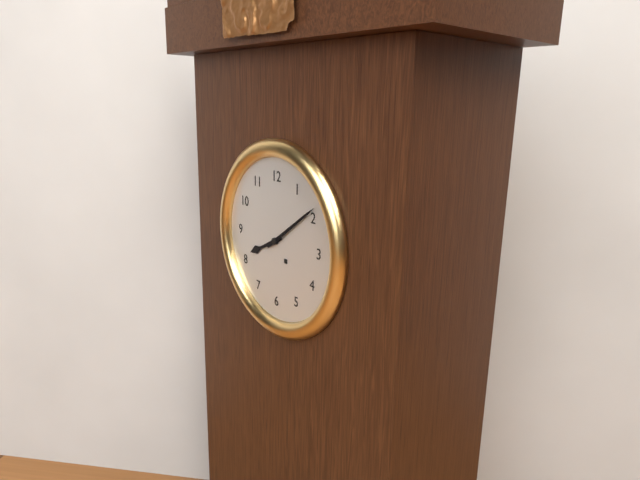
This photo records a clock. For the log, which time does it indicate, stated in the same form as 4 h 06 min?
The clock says 8 h 09 min
